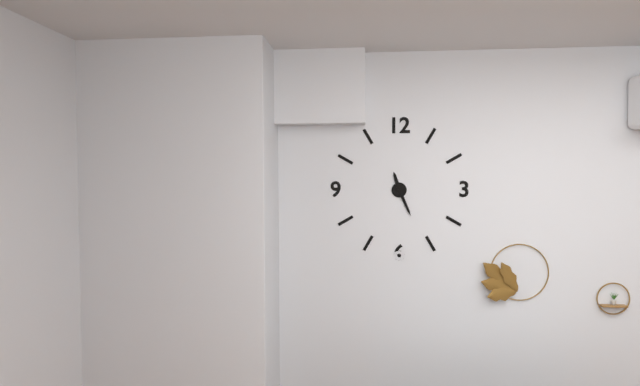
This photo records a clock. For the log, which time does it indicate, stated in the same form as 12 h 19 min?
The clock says 11 h 26 min
